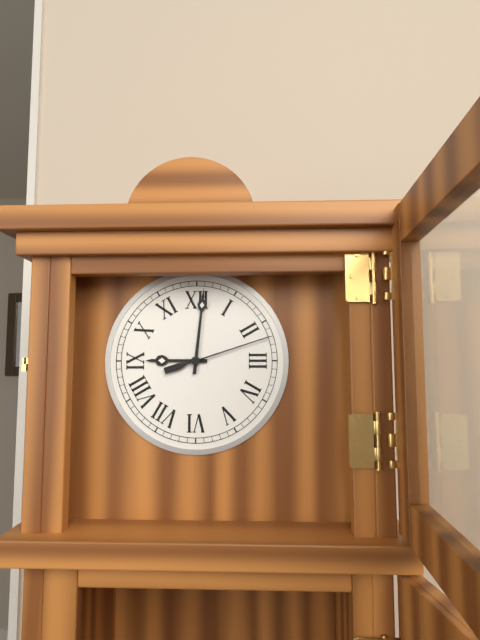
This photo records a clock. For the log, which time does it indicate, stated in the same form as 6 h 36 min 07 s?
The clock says 9 h 01 min 12 s
